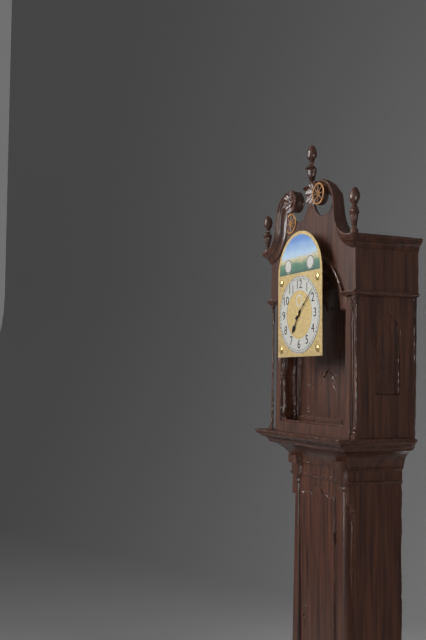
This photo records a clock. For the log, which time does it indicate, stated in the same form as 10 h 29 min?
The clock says 7 h 08 min
